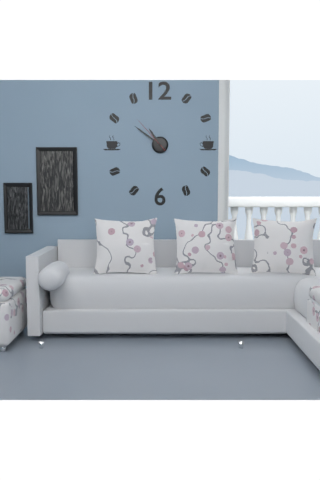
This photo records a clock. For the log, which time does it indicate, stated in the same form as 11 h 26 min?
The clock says 10 h 51 min
